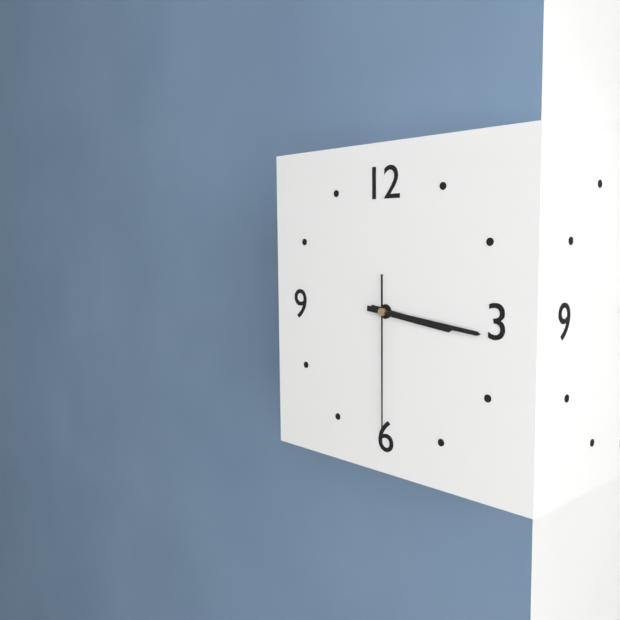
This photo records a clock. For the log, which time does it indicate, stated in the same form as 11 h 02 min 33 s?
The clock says 3 h 16 min 30 s
